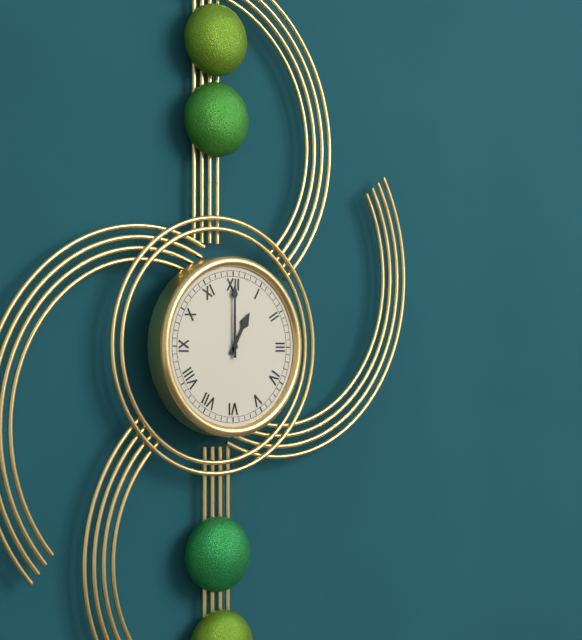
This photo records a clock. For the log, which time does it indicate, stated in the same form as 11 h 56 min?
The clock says 1 h 00 min
